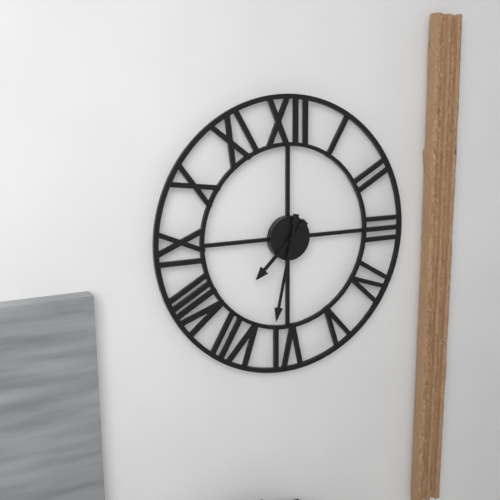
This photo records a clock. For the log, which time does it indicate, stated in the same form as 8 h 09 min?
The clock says 7 h 32 min
